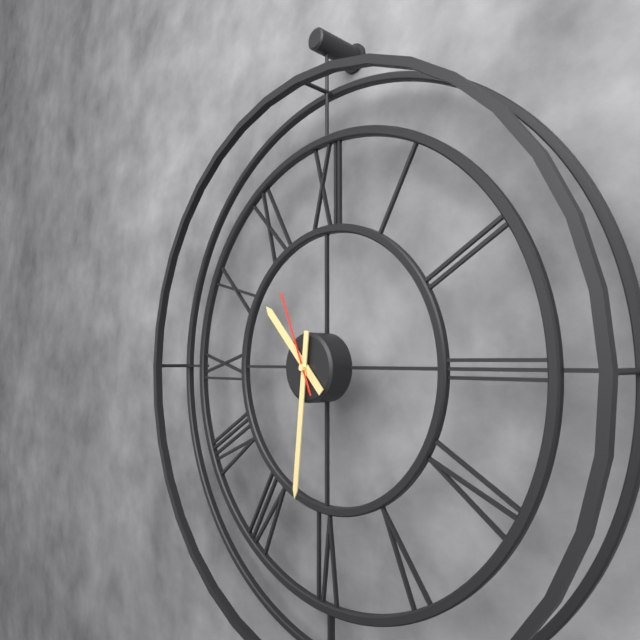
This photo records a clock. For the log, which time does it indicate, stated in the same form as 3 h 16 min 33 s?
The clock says 10 h 31 min 56 s
